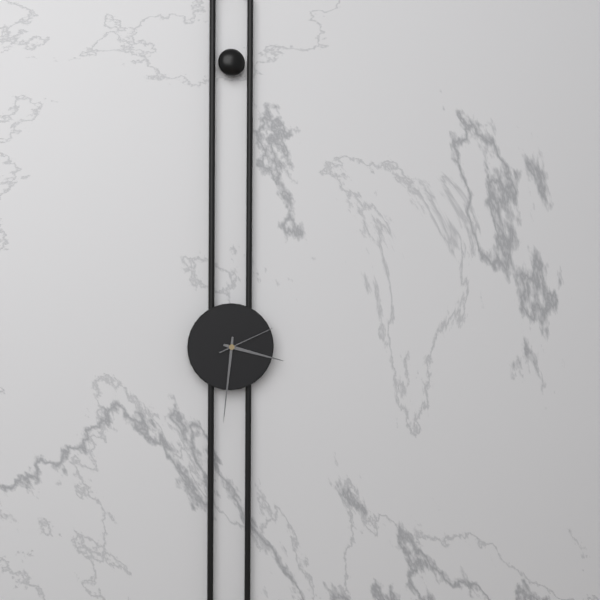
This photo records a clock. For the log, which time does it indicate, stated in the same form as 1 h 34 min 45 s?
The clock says 3 h 31 min 11 s
